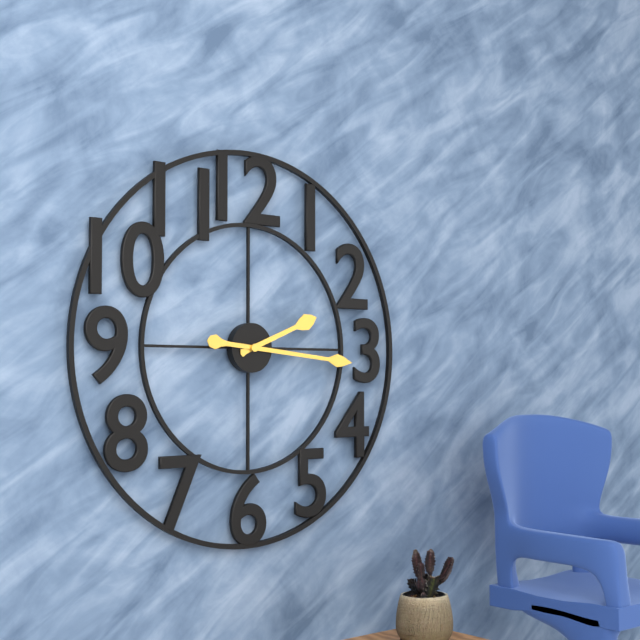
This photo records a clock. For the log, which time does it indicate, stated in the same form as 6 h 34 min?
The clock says 2 h 16 min
